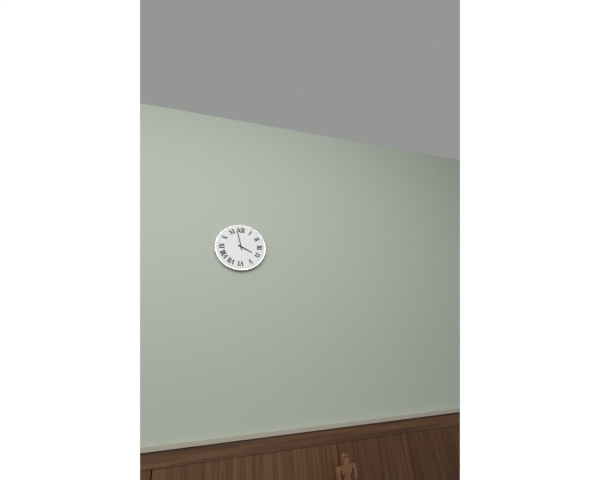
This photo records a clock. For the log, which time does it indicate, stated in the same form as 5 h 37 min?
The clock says 3 h 58 min
